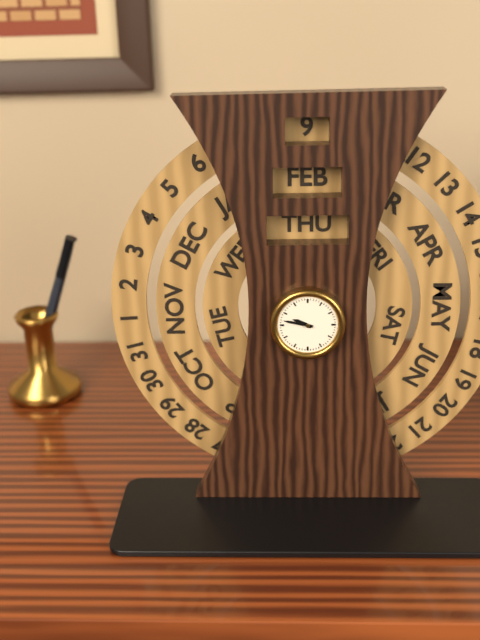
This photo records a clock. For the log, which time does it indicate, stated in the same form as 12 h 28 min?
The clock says 9 h 47 min
